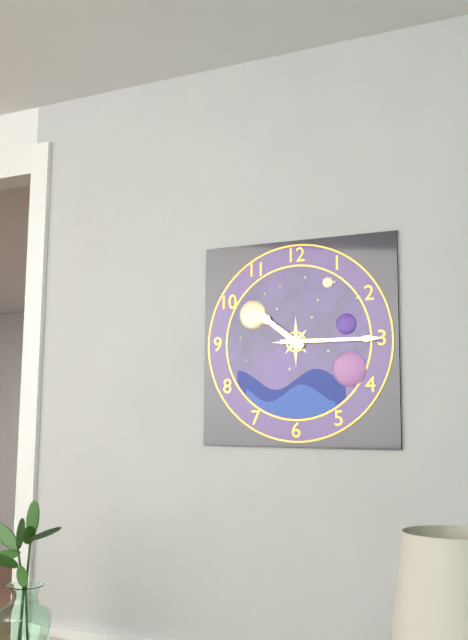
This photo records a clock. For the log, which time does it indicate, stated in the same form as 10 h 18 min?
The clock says 10 h 15 min
